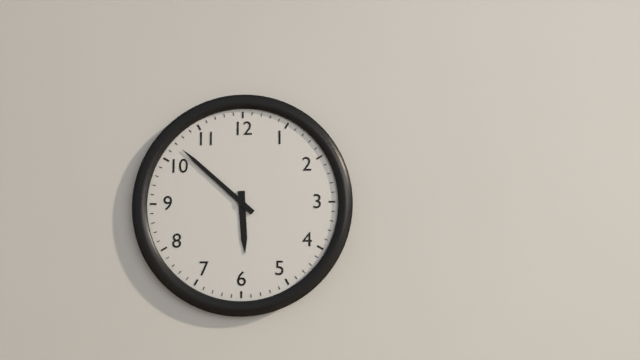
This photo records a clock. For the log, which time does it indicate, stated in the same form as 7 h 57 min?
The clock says 5 h 52 min
